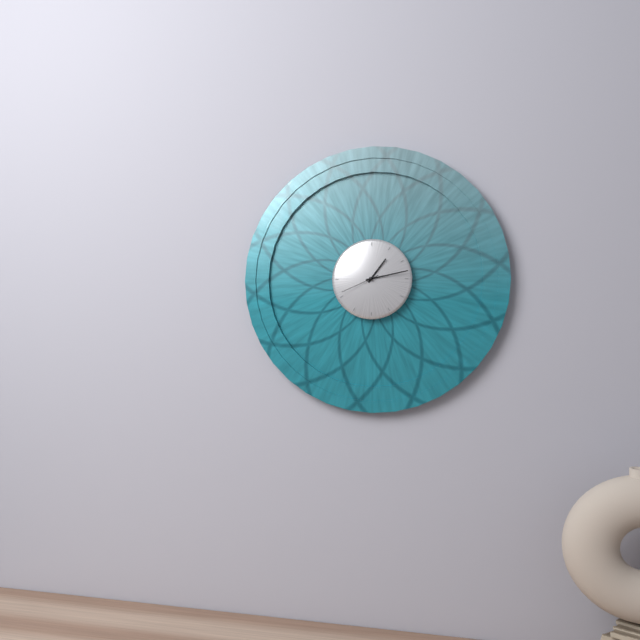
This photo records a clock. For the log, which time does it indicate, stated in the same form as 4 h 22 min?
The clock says 1 h 13 min
